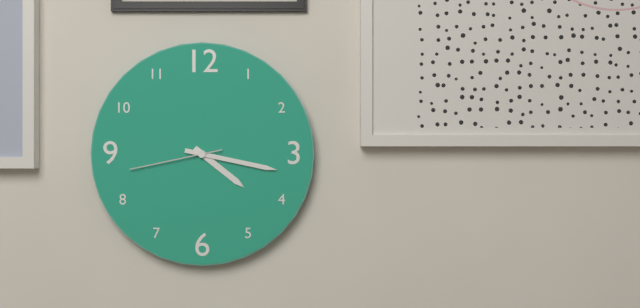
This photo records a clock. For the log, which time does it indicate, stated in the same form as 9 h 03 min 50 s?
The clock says 4 h 17 min 43 s
